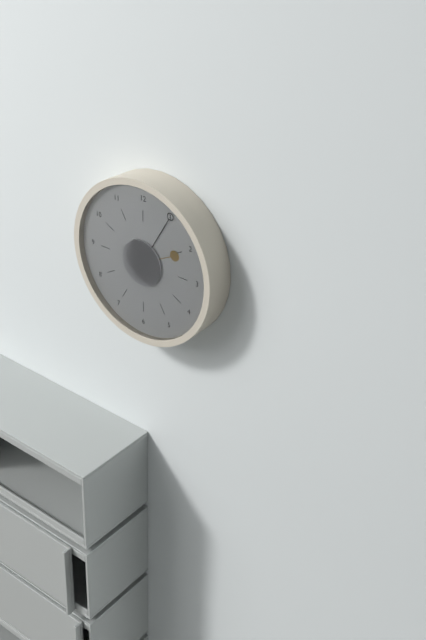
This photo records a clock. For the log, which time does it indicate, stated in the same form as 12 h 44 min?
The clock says 2 h 05 min
